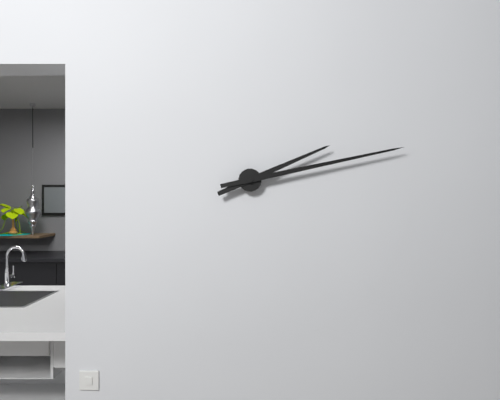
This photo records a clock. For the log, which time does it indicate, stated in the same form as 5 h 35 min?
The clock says 2 h 13 min
